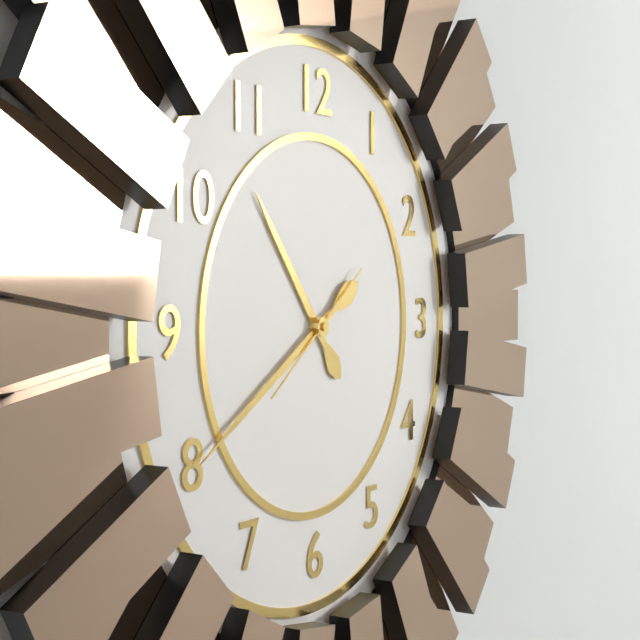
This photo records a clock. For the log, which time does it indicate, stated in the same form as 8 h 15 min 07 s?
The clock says 10 h 40 min 39 s
